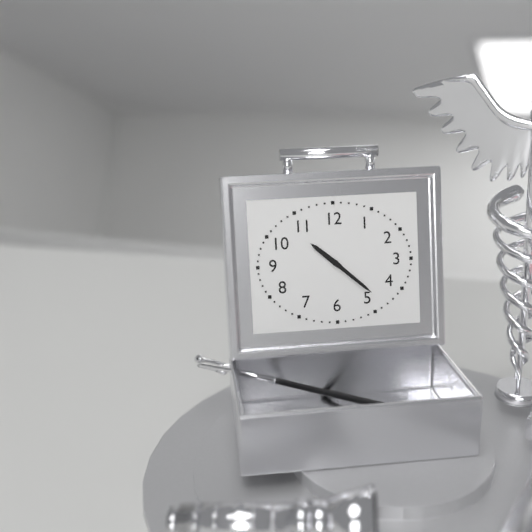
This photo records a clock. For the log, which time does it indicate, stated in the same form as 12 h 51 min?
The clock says 10 h 22 min
